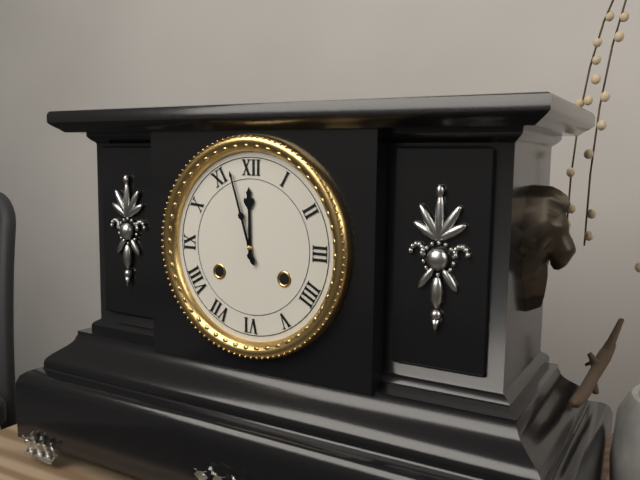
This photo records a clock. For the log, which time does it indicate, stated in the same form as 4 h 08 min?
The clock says 11 h 57 min
